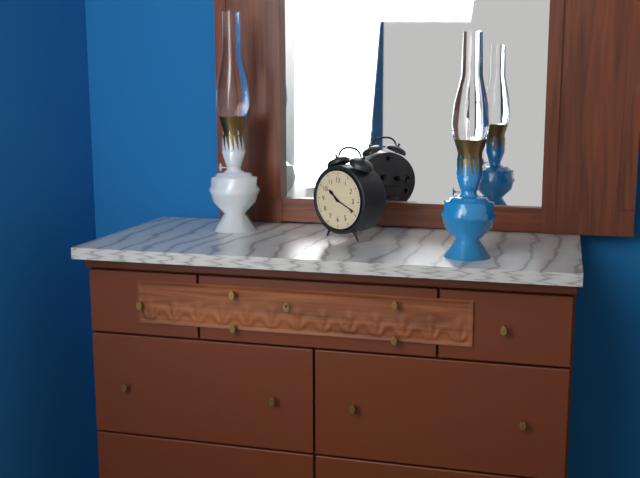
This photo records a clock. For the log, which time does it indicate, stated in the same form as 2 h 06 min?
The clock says 10 h 19 min
